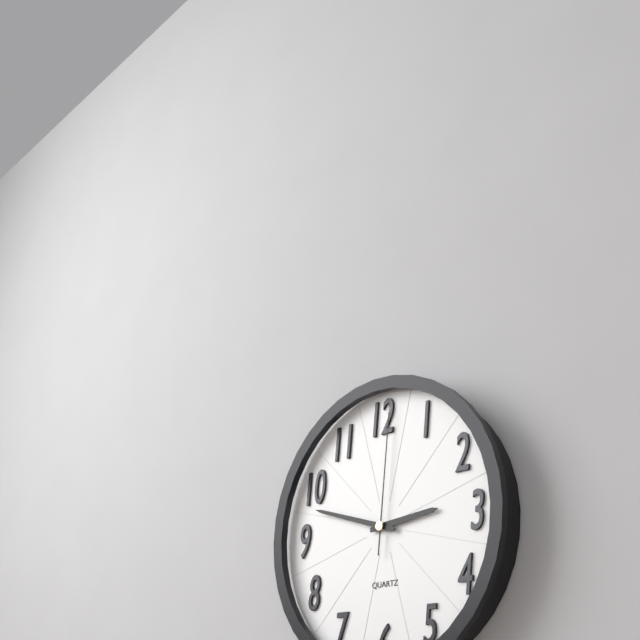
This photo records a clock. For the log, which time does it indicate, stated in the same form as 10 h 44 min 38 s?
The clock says 2 h 48 min 01 s
